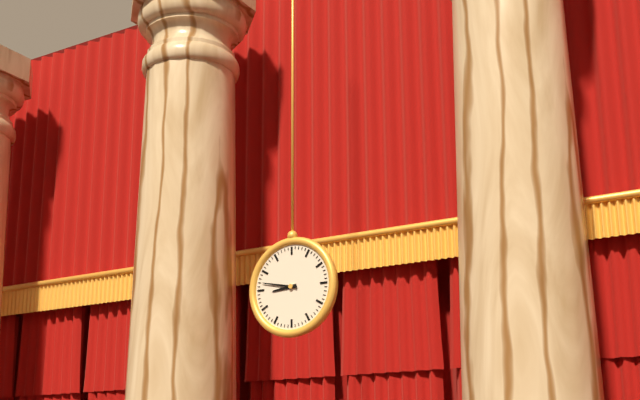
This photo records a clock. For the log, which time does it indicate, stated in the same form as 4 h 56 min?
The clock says 8 h 47 min
